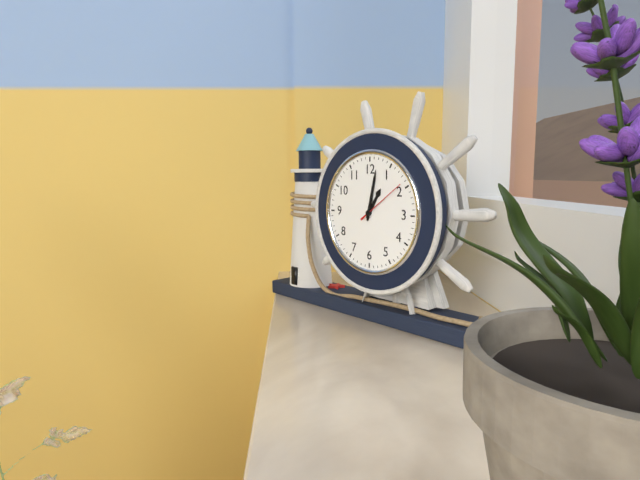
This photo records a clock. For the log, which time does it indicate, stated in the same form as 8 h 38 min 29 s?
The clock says 1 h 02 min 09 s
